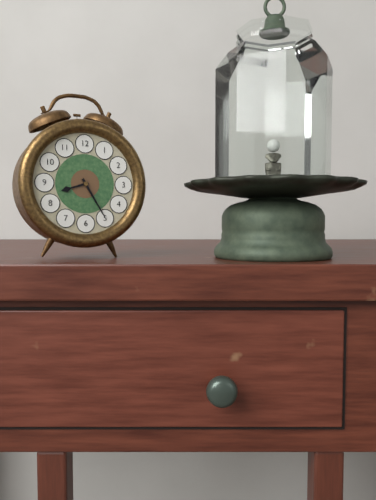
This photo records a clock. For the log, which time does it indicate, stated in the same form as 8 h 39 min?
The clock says 8 h 25 min
